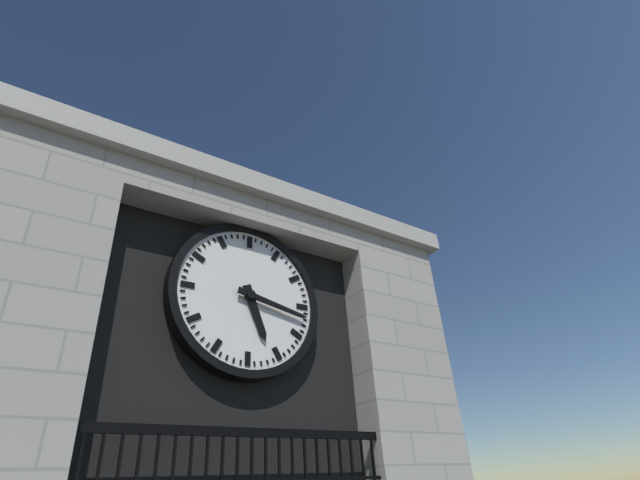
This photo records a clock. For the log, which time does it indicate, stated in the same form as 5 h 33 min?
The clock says 5 h 17 min
